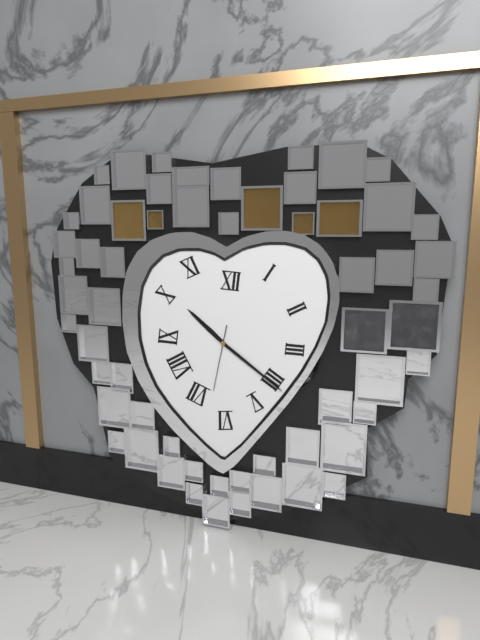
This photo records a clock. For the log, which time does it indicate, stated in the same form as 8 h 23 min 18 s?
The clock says 10 h 21 min 32 s
